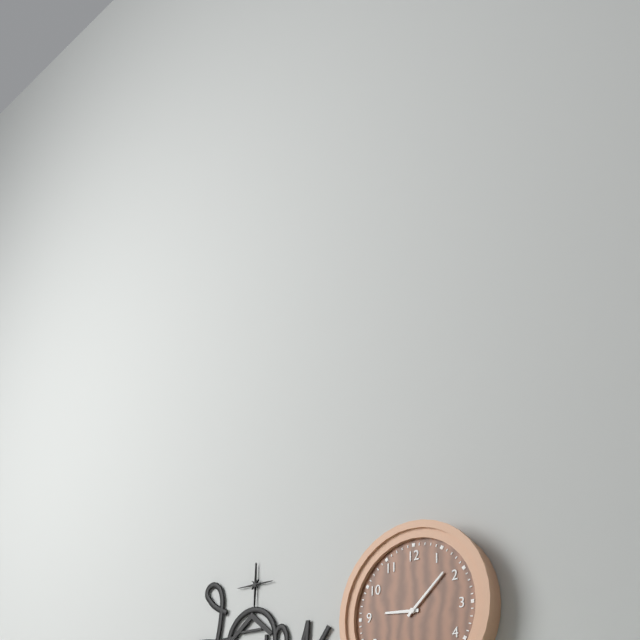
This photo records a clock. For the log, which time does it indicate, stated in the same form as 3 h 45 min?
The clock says 9 h 08 min
